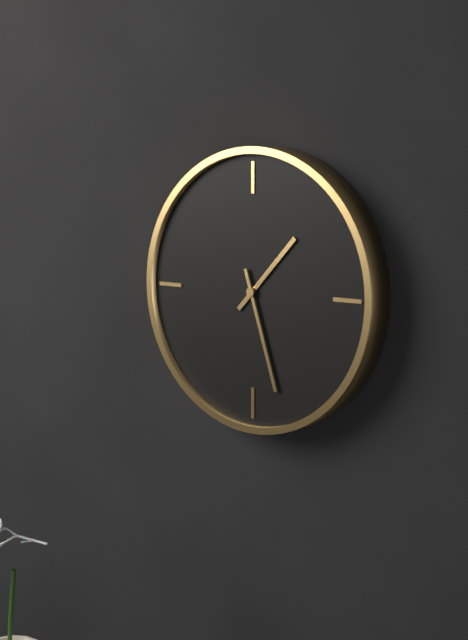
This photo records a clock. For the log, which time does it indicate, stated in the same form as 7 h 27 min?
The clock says 1 h 27 min
